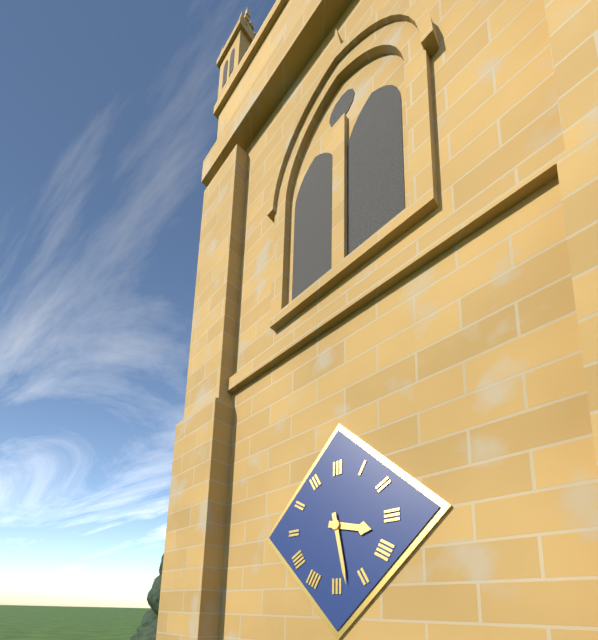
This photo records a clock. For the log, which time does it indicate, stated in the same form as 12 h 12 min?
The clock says 3 h 28 min
